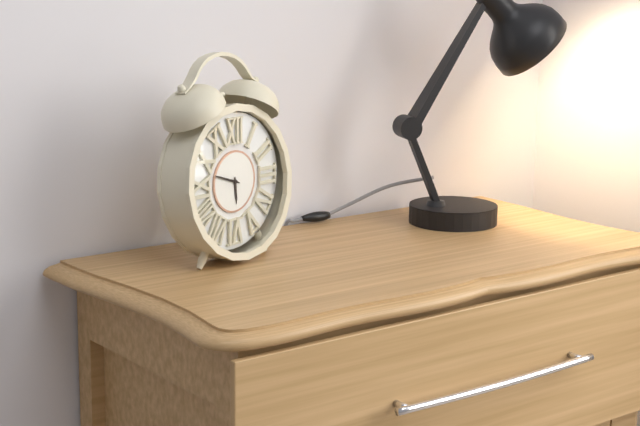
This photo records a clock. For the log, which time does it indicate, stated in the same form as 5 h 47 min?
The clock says 5 h 48 min
